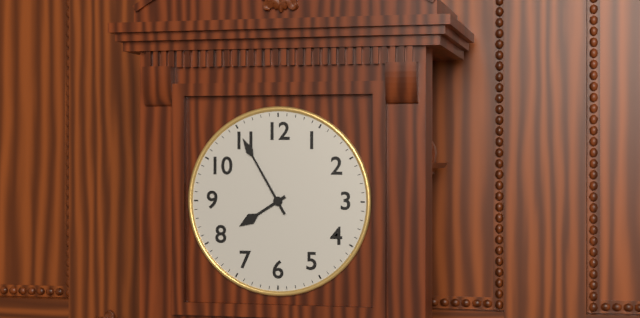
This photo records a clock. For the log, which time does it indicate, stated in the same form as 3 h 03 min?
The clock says 7 h 55 min
